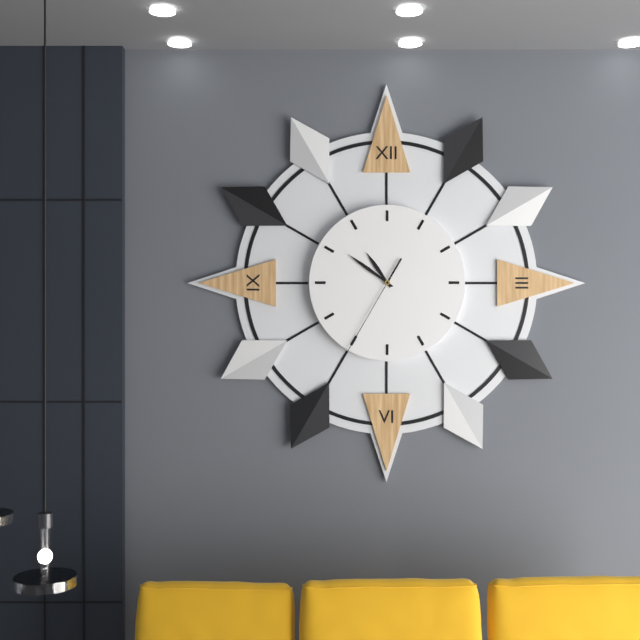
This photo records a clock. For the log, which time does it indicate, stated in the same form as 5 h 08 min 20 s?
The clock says 10 h 51 min 35 s
